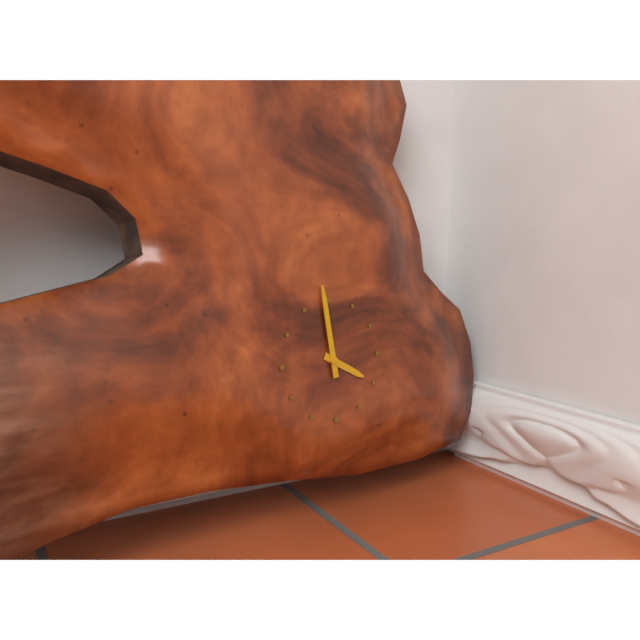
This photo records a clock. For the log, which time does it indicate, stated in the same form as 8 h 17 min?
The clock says 3 h 59 min
